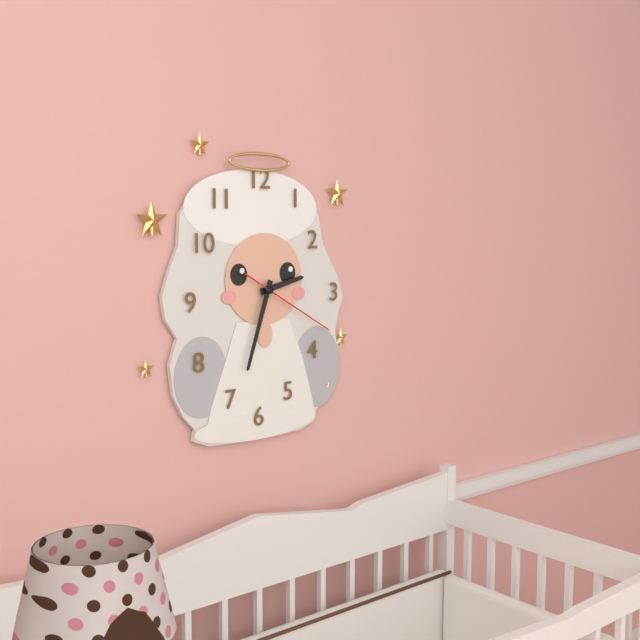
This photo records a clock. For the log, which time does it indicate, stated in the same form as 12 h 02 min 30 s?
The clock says 2 h 33 min 20 s
